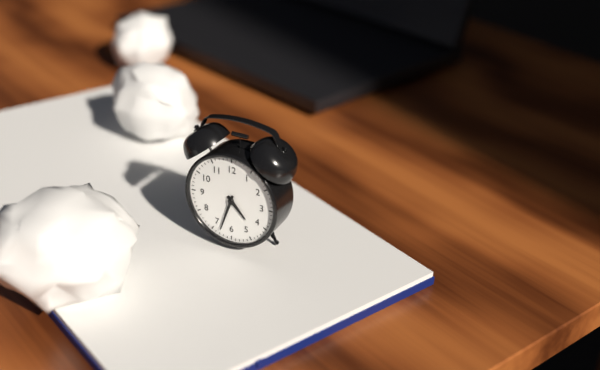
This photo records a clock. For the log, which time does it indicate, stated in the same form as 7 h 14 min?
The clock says 4 h 33 min
